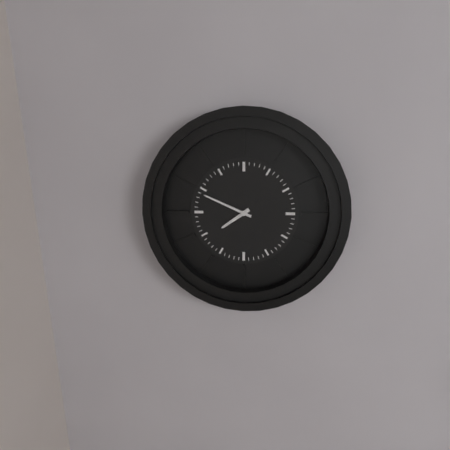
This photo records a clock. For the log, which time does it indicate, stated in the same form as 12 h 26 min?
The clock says 7 h 49 min
